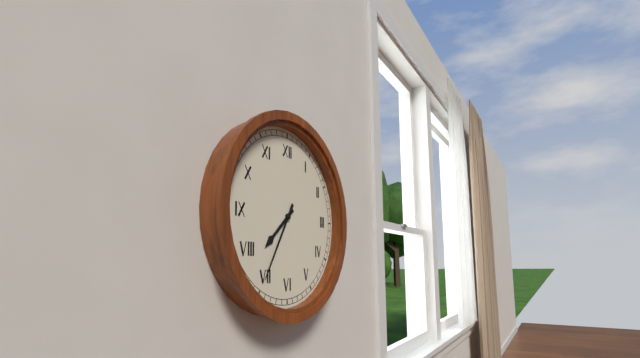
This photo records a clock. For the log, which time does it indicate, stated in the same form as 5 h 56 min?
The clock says 7 h 35 min
